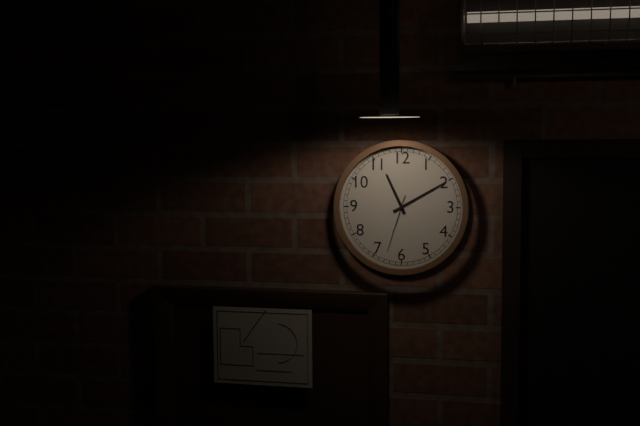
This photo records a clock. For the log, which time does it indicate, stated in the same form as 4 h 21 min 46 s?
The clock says 11 h 10 min 33 s
